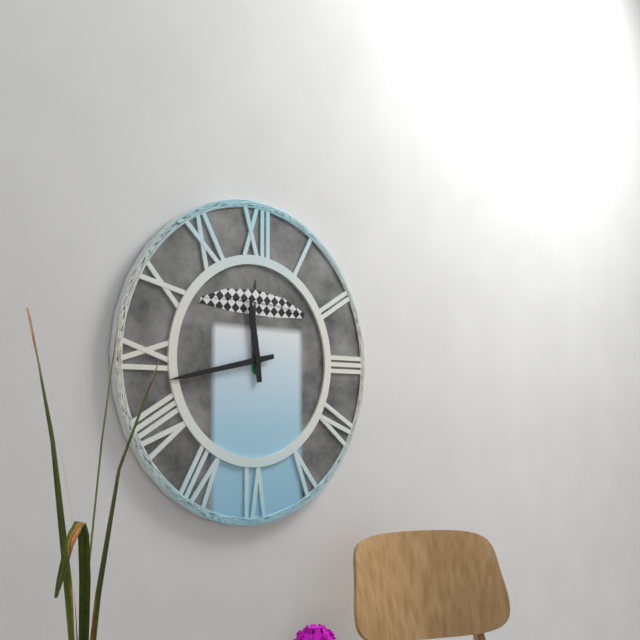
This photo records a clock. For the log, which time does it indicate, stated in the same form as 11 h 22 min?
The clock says 11 h 43 min
